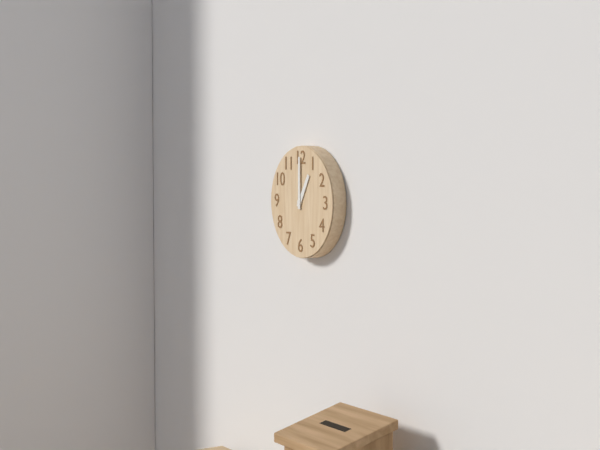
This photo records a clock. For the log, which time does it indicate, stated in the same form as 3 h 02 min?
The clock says 1 h 00 min
